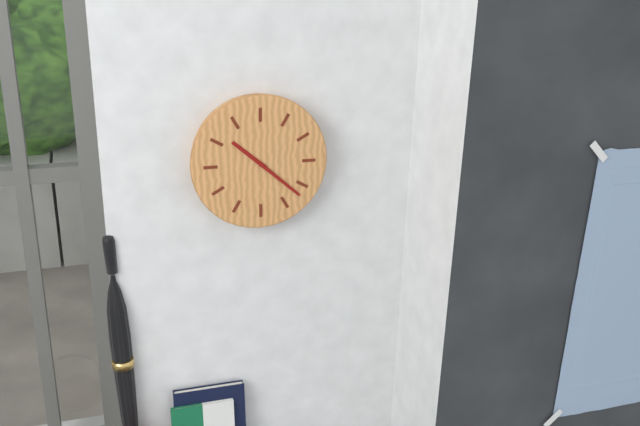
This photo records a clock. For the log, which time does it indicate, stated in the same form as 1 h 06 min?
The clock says 10 h 22 min
